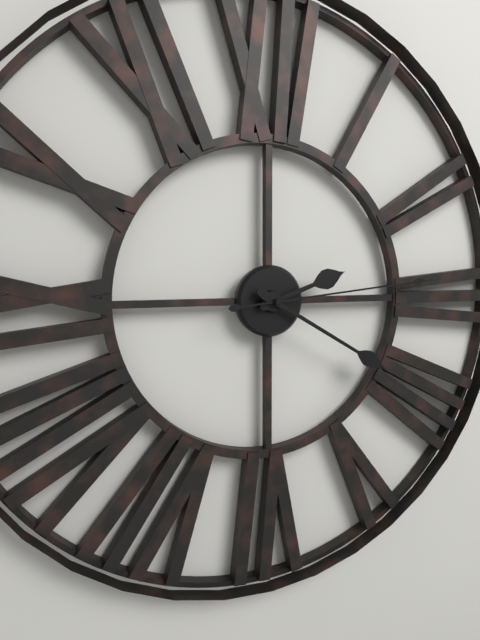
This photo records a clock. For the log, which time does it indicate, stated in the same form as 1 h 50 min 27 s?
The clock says 2 h 20 min 14 s
